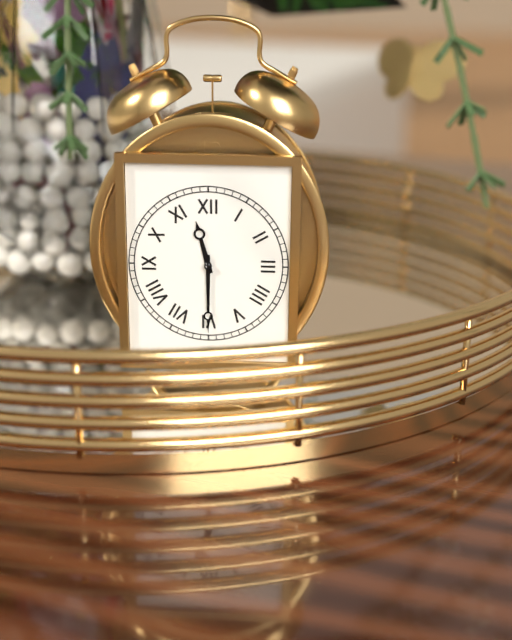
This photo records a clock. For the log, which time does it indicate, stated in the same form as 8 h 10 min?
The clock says 11 h 30 min
